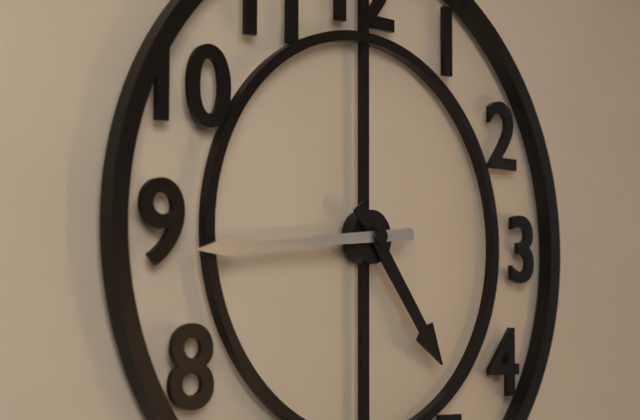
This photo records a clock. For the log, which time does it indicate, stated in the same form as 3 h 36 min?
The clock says 4 h 44 min
